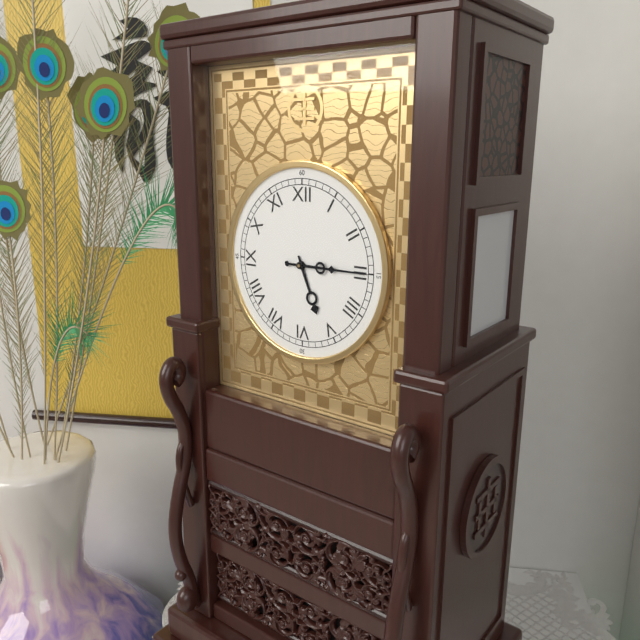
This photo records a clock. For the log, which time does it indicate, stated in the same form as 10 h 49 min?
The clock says 5 h 15 min
